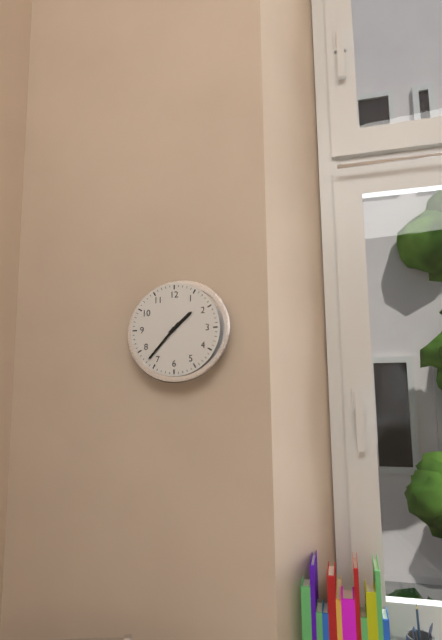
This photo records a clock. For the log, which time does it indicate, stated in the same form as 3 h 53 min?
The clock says 1 h 37 min
